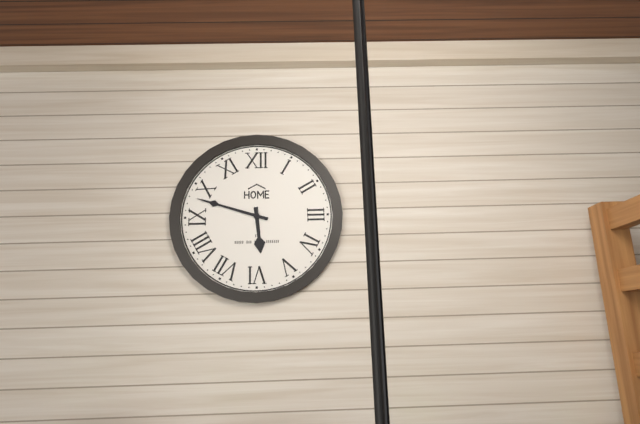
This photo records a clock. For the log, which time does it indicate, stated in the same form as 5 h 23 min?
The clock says 5 h 48 min
